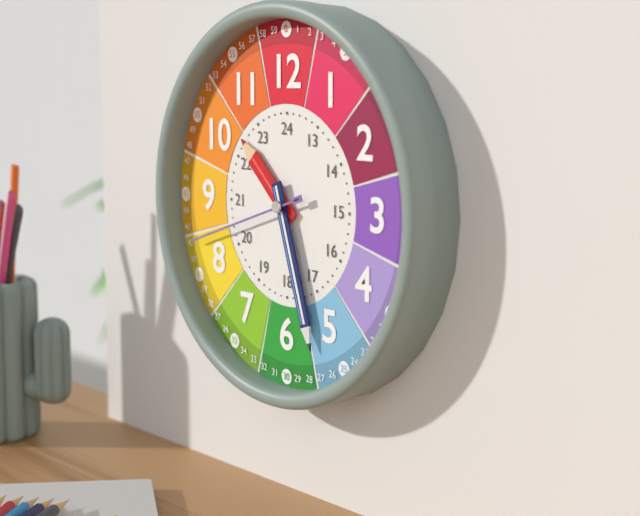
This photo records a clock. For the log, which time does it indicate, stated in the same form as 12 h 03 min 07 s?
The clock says 10 h 27 min 42 s
